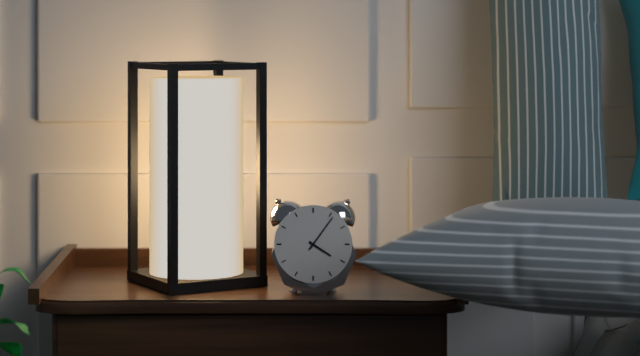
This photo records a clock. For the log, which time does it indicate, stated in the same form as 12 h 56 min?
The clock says 4 h 06 min
